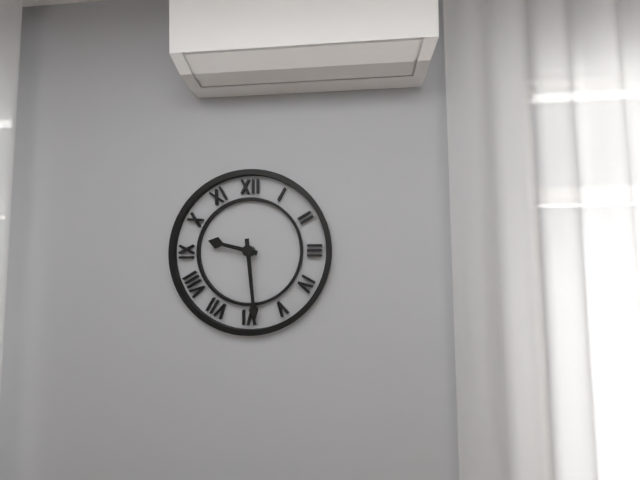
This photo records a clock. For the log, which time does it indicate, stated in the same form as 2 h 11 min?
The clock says 9 h 29 min
